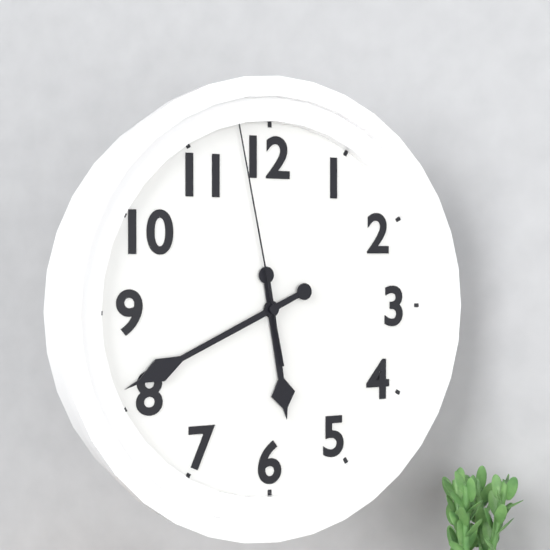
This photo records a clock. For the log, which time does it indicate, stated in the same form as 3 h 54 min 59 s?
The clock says 5 h 41 min 58 s
